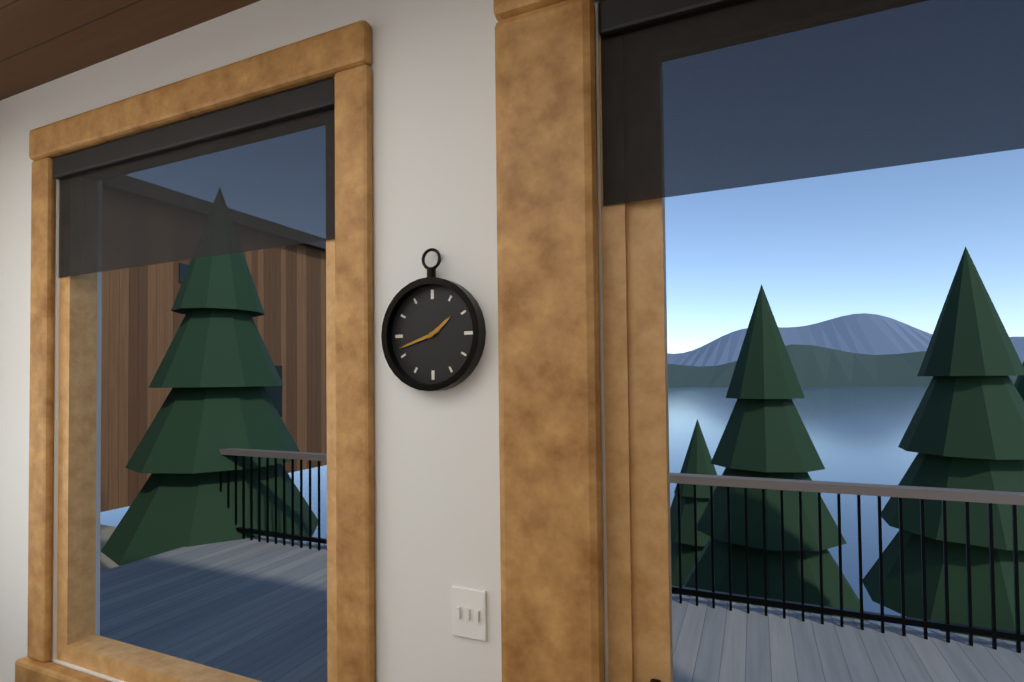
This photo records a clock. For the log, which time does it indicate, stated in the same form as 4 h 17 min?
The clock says 1 h 42 min
